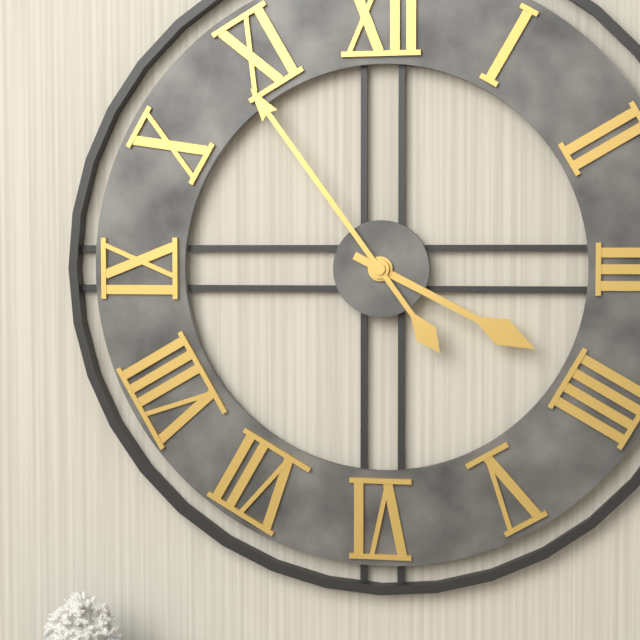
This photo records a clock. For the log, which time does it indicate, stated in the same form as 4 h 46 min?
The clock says 3 h 54 min
